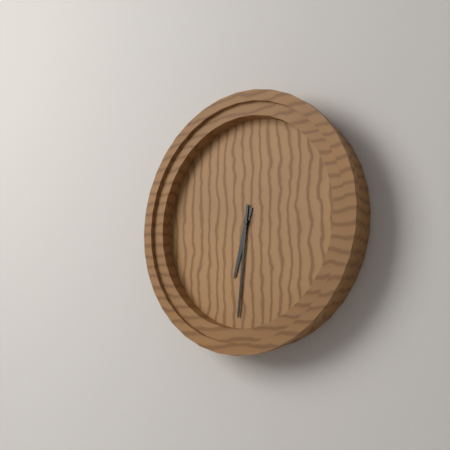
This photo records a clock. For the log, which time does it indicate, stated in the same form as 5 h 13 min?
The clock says 6 h 31 min
